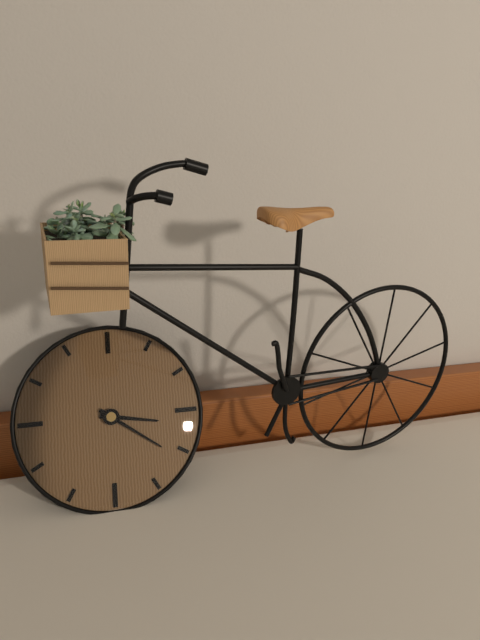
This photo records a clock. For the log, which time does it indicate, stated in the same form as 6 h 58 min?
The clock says 3 h 21 min
